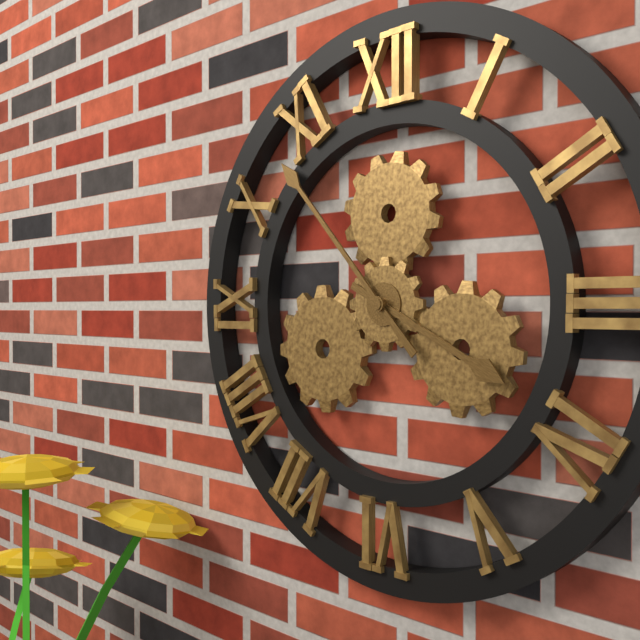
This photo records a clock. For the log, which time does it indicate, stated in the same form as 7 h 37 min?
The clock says 3 h 53 min
